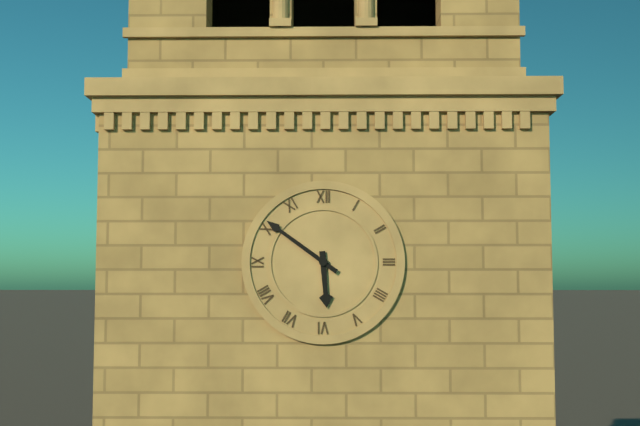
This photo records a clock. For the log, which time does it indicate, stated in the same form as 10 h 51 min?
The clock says 5 h 51 min
